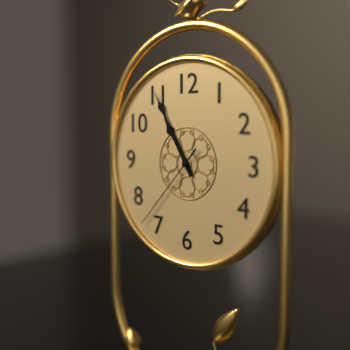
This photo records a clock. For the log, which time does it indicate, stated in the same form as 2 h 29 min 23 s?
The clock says 10 h 55 min 37 s
